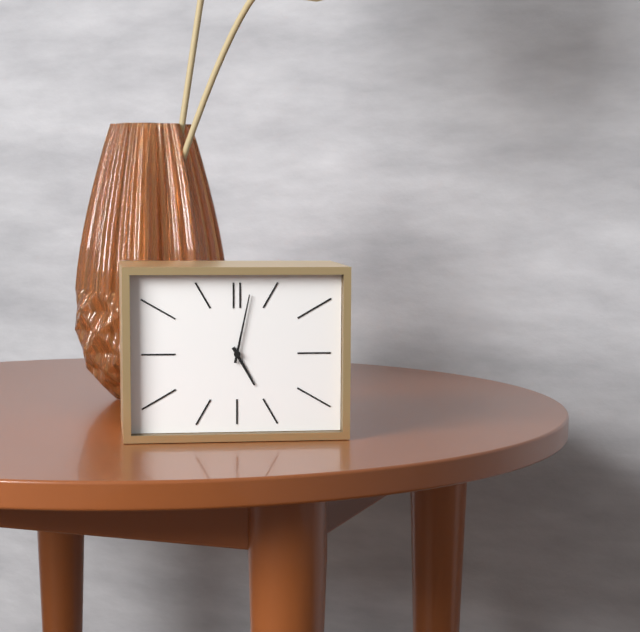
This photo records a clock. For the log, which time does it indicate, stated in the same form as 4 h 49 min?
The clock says 5 h 02 min
